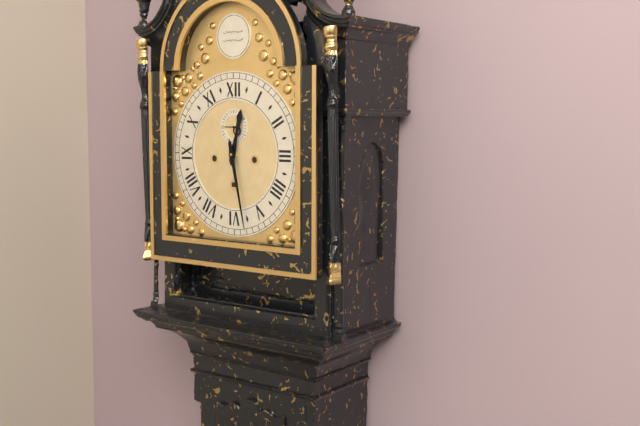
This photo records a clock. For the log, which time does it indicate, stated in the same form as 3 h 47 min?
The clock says 12 h 28 min
